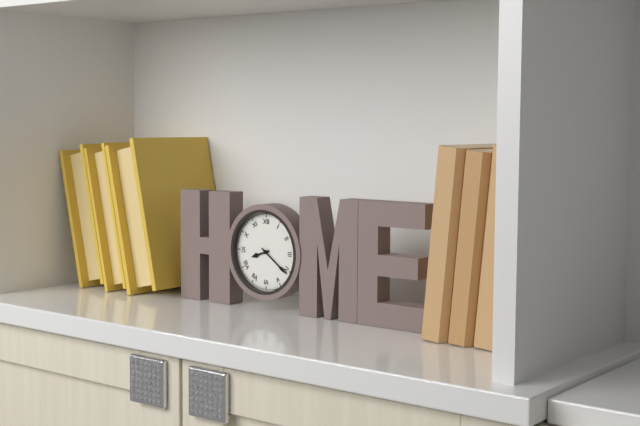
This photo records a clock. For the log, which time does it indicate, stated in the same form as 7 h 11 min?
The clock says 8 h 21 min
